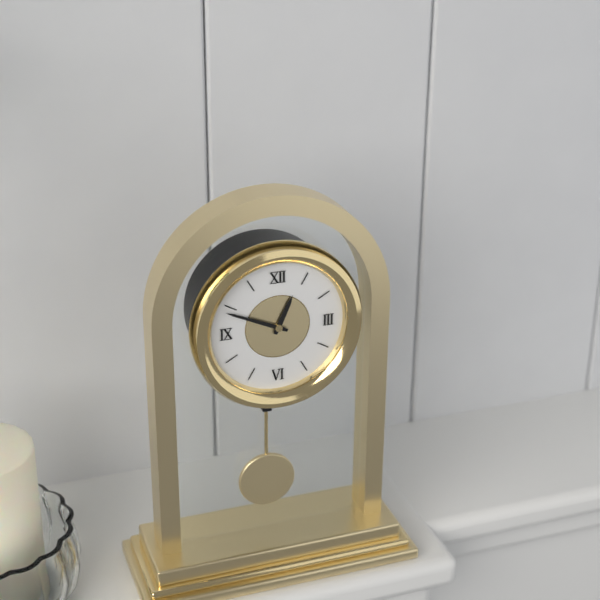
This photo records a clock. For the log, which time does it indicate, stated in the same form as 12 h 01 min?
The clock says 12 h 49 min
